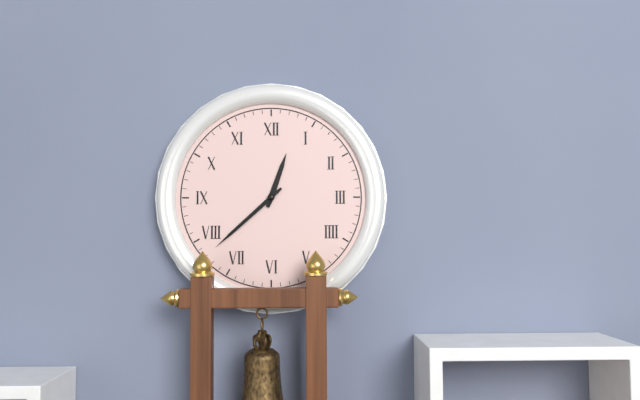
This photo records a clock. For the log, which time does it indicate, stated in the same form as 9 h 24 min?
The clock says 12 h 38 min
